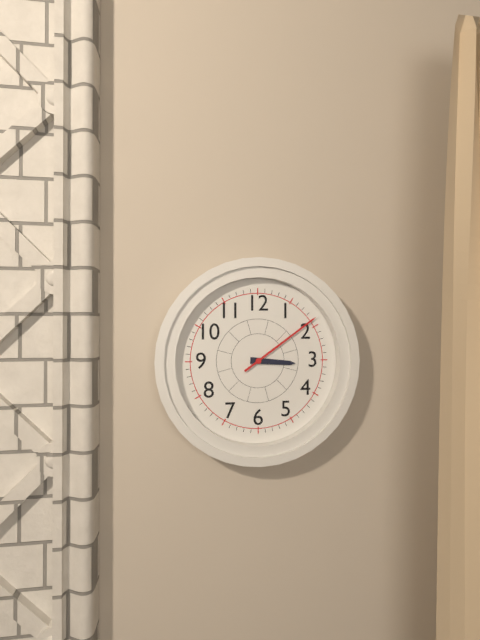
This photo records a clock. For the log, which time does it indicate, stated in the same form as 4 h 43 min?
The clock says 3 h 09 min
